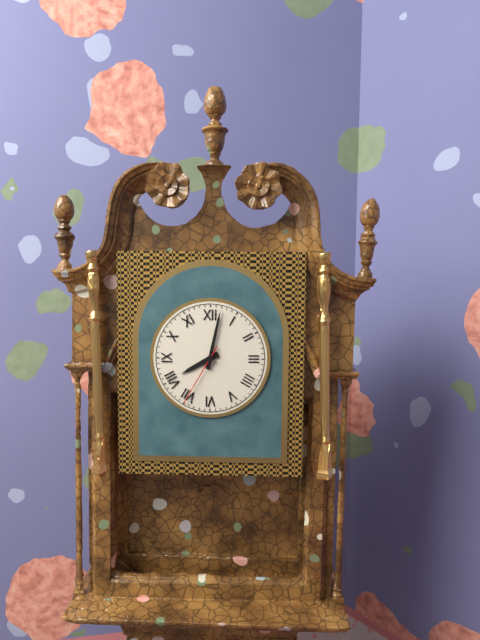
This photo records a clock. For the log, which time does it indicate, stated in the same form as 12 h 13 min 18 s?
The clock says 8 h 02 min 35 s
